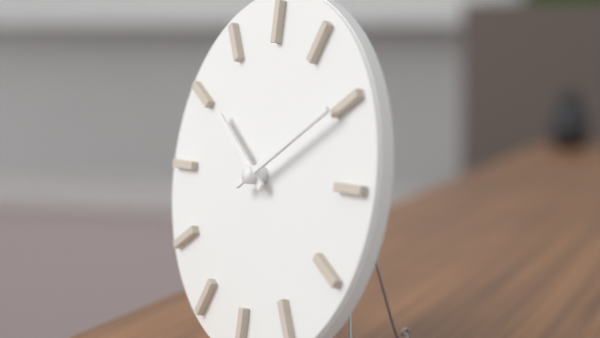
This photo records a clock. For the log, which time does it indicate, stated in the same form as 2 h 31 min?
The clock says 10 h 10 min
